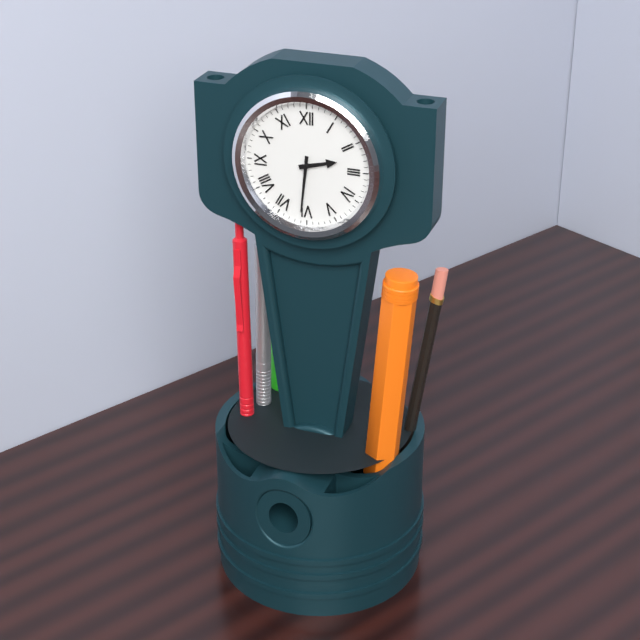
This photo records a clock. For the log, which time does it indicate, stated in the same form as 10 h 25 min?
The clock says 2 h 31 min
